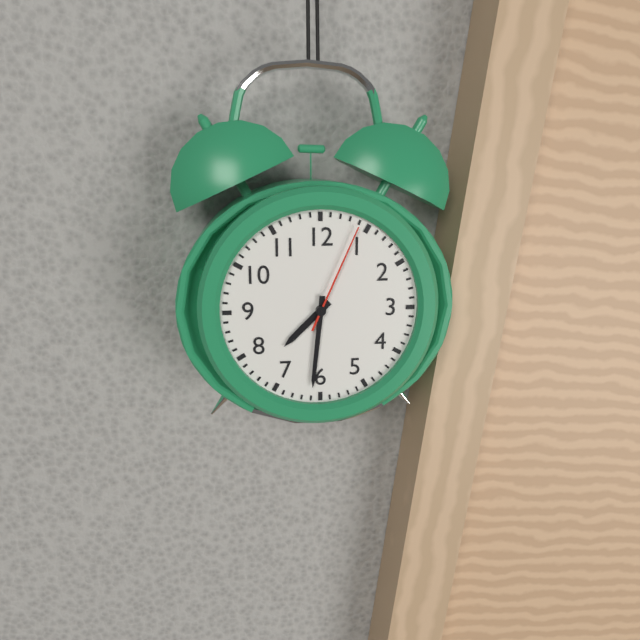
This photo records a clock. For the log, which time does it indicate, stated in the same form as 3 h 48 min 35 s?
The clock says 7 h 31 min 04 s
